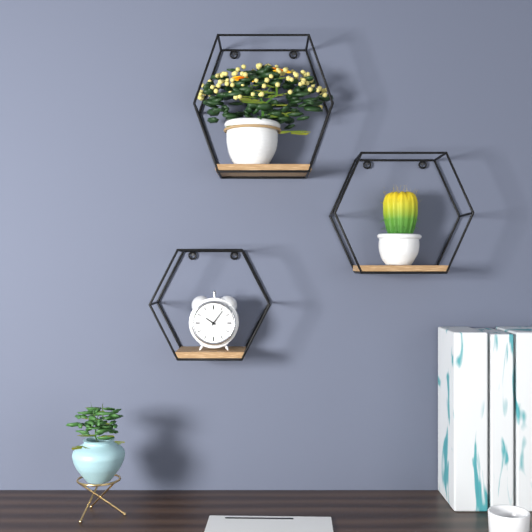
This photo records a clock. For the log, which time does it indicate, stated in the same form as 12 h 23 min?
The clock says 10 h 06 min
